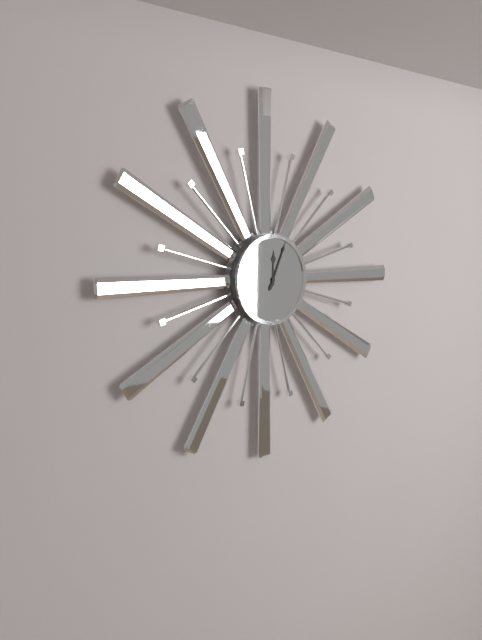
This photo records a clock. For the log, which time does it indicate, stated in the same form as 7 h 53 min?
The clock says 12 h 04 min
